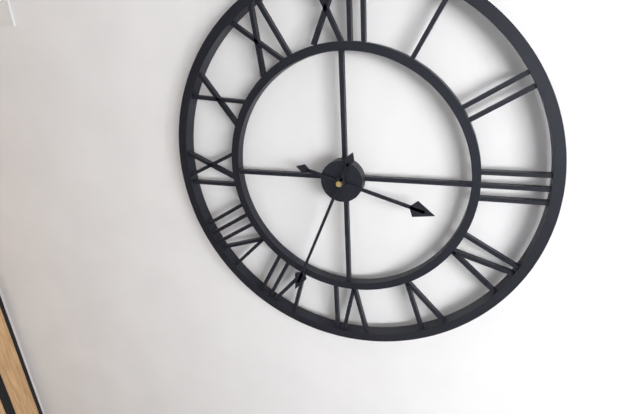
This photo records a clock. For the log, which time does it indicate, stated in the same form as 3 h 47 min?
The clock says 3 h 34 min
